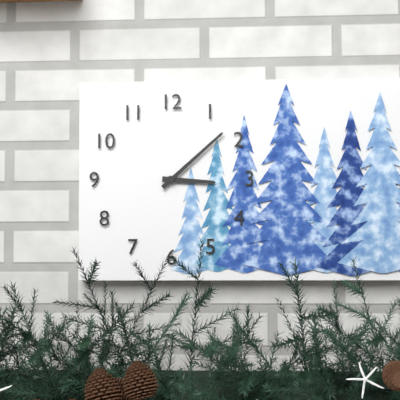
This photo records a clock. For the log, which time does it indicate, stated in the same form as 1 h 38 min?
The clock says 3 h 08 min
